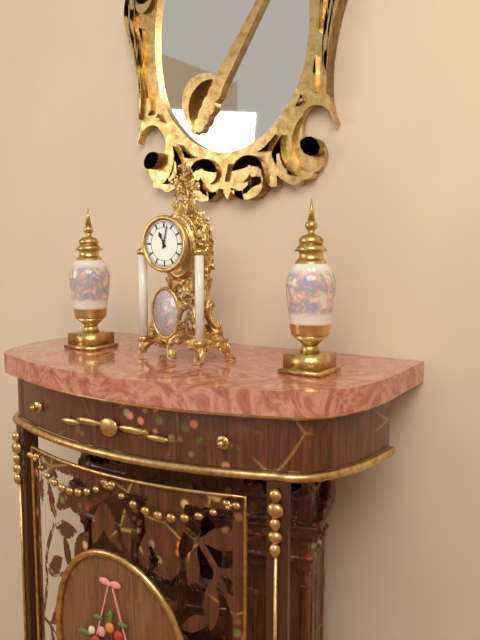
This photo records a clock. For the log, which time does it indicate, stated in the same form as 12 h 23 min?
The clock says 11 h 02 min
